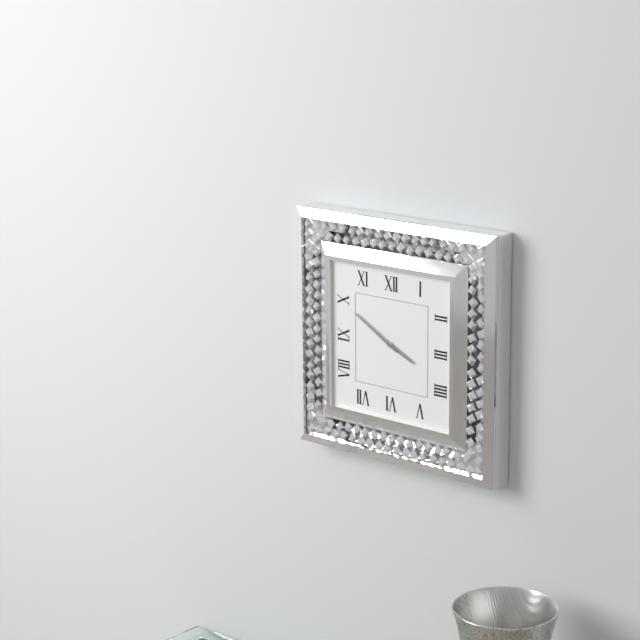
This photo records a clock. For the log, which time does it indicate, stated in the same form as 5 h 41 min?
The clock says 3 h 50 min
